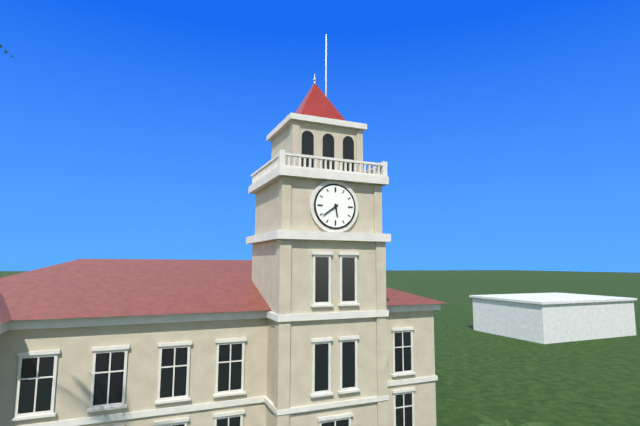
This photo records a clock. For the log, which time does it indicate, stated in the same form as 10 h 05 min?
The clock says 5 h 39 min
